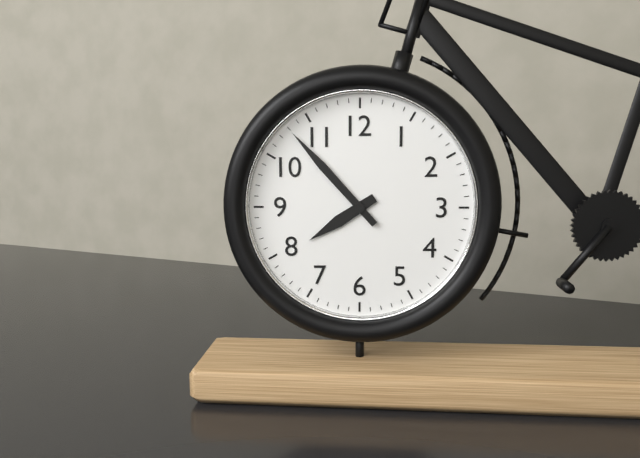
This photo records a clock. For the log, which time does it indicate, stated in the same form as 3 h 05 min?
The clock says 7 h 53 min
